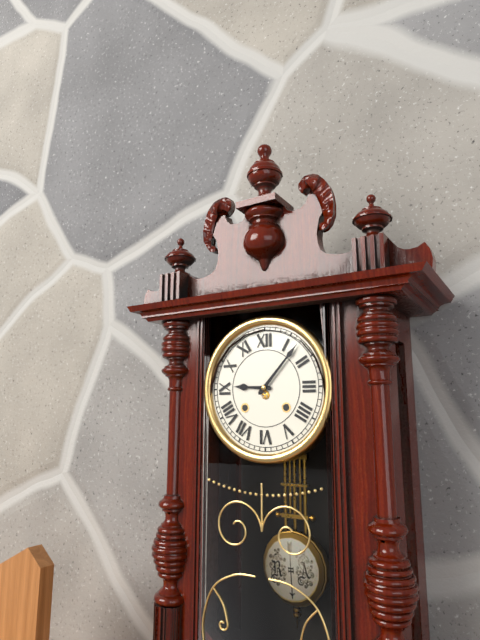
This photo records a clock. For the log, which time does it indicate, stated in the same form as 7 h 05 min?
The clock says 9 h 07 min
